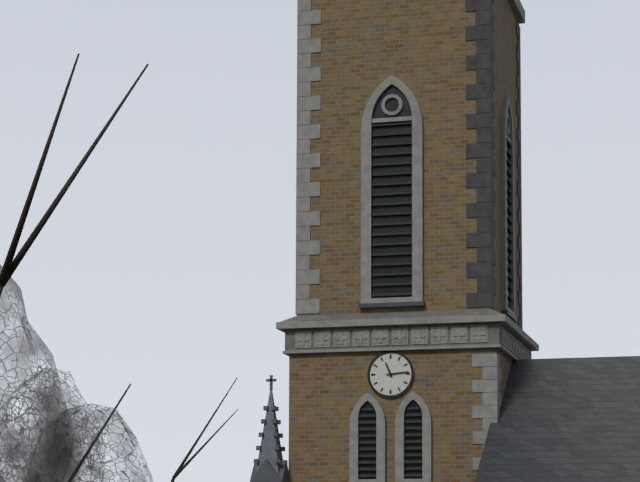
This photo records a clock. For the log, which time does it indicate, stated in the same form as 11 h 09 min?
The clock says 11 h 14 min
